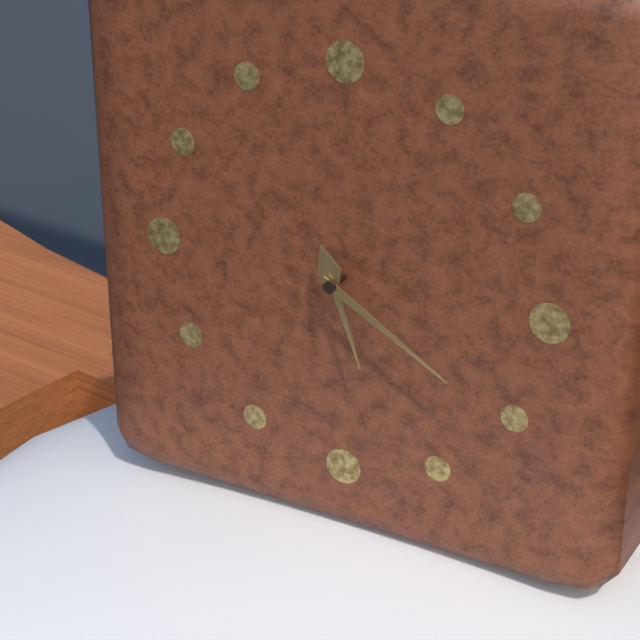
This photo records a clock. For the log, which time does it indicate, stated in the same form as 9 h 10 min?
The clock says 5 h 20 min
